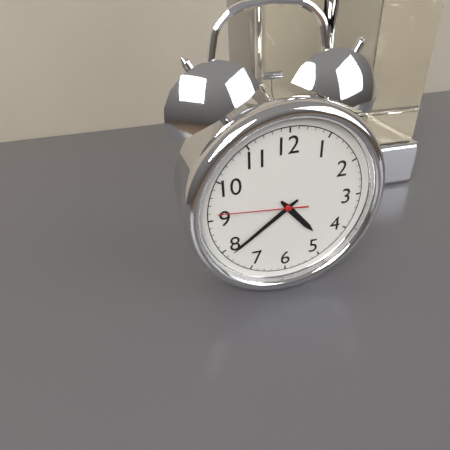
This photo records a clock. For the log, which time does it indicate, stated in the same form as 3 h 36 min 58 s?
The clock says 4 h 39 min 46 s
